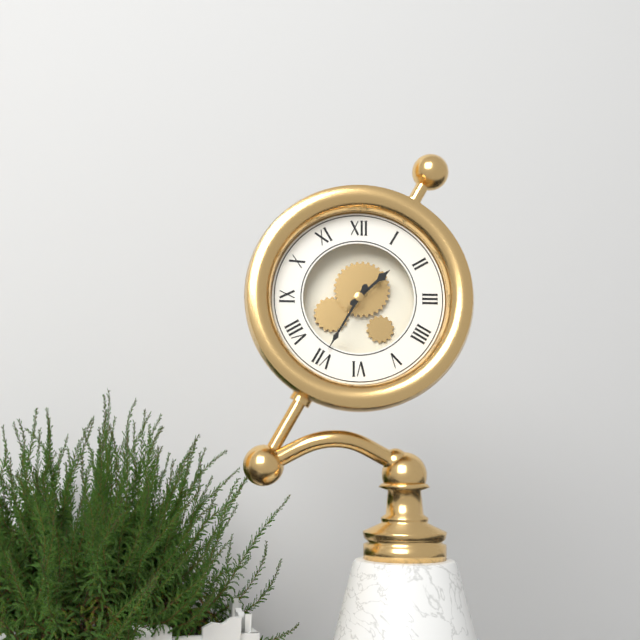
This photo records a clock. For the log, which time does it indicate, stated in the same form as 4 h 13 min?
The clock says 1 h 35 min
